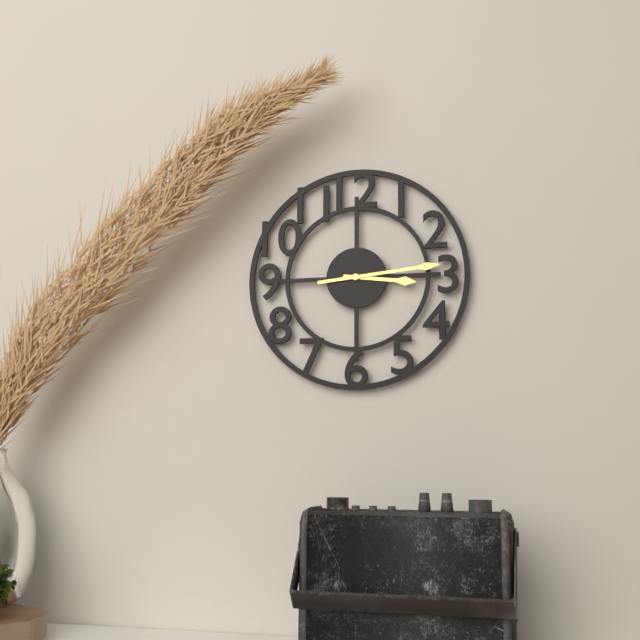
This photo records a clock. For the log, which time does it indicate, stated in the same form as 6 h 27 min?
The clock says 3 h 14 min
